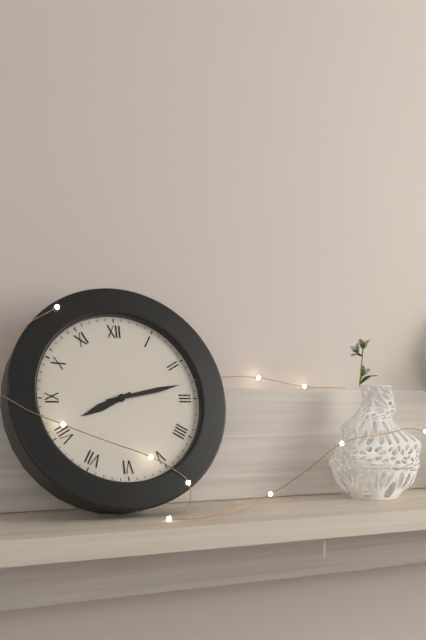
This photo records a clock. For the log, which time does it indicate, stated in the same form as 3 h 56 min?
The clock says 8 h 13 min
